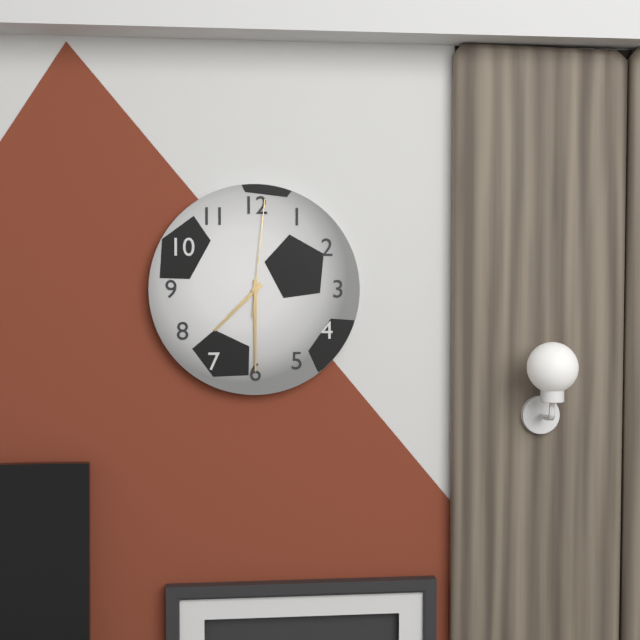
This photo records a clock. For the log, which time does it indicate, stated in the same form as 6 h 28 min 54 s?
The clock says 7 h 30 min 01 s
